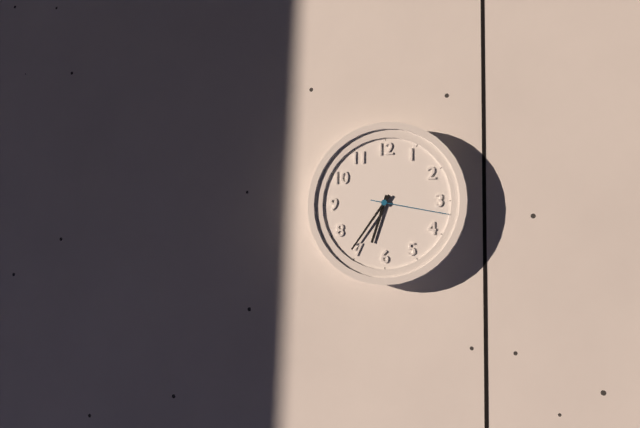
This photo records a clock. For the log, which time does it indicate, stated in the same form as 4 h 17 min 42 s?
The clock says 6 h 36 min 17 s
